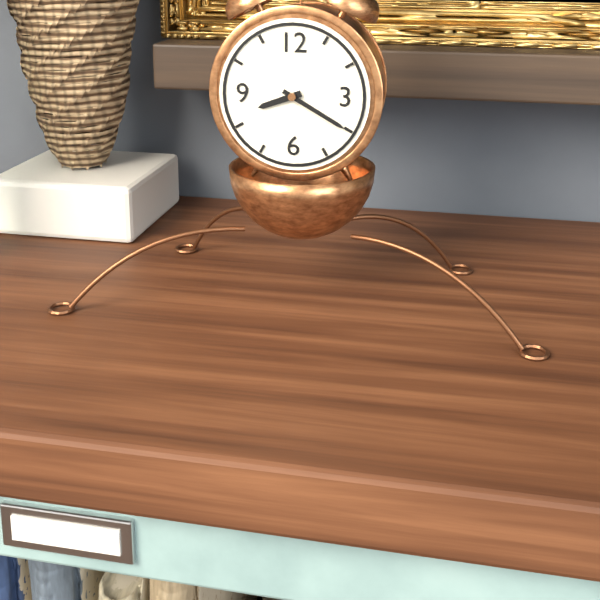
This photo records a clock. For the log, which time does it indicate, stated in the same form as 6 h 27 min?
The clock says 8 h 20 min
